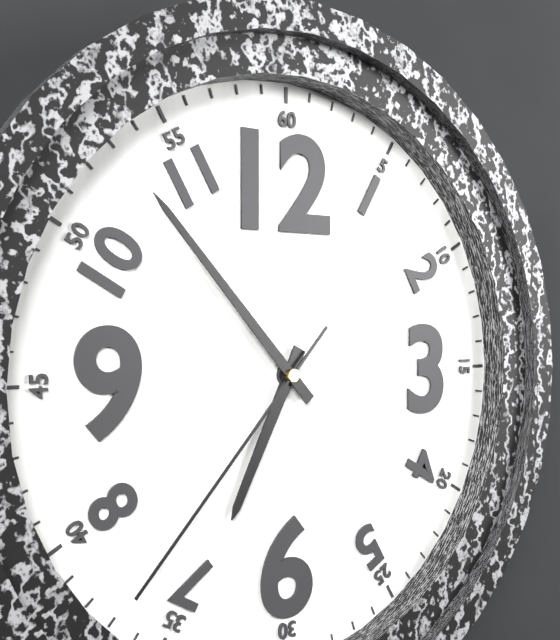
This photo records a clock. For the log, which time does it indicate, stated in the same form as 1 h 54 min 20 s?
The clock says 6 h 53 min 37 s
